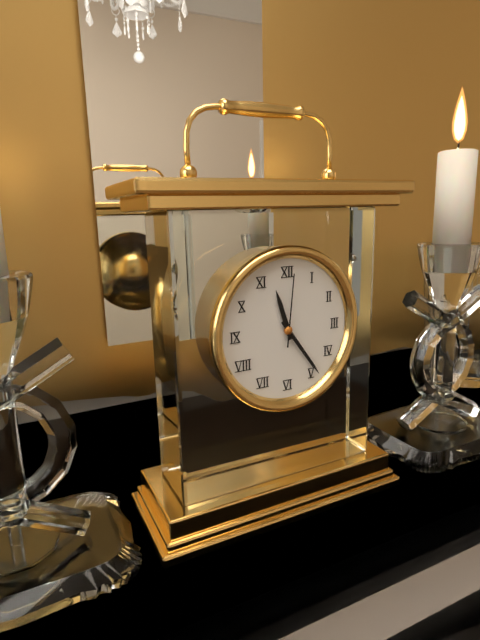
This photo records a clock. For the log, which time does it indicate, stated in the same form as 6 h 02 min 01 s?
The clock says 11 h 24 min 01 s
